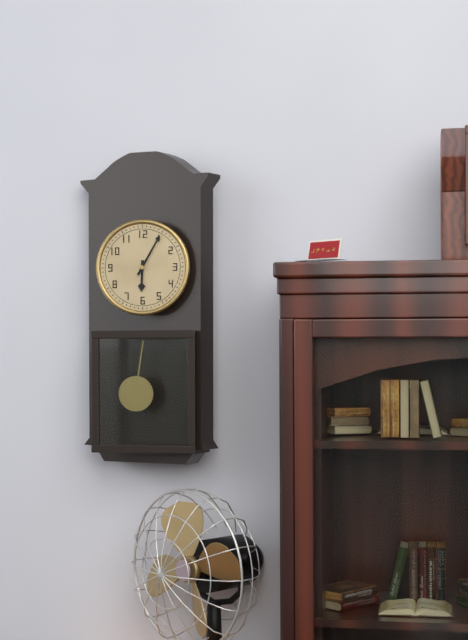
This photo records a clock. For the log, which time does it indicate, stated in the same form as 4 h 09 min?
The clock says 6 h 05 min
